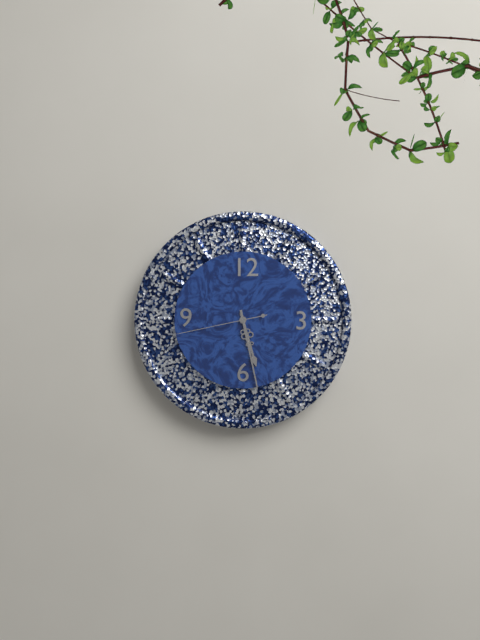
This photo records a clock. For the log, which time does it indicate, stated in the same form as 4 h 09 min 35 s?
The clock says 5 h 28 min 43 s
